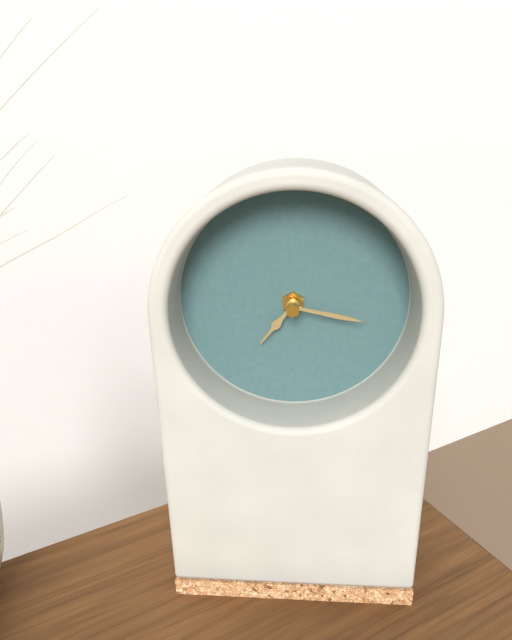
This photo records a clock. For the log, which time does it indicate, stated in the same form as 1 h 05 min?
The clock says 7 h 17 min
